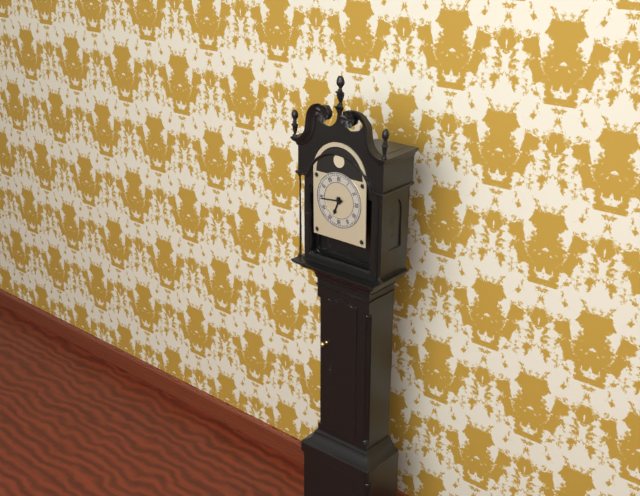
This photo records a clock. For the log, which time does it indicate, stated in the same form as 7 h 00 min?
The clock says 6 h 44 min
